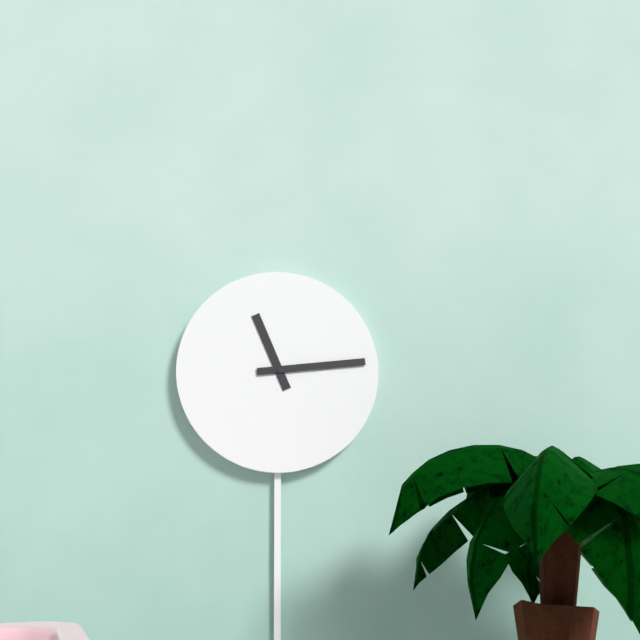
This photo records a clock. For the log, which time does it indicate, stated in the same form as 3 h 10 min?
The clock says 11 h 14 min
